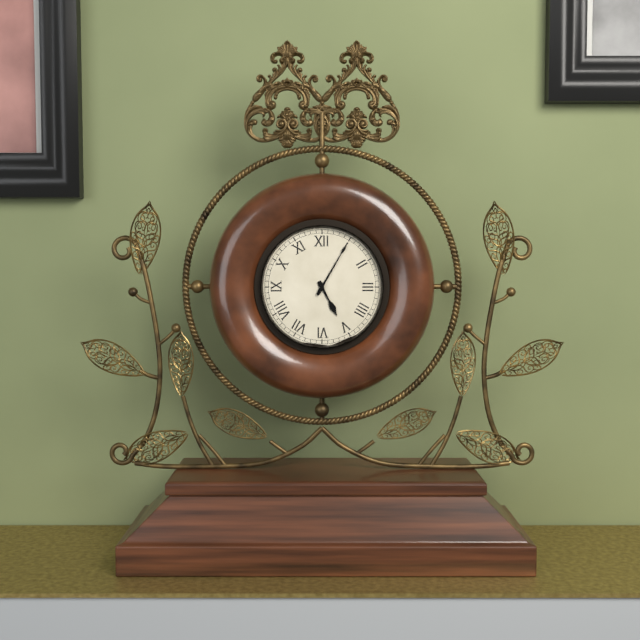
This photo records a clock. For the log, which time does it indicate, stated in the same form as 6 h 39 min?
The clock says 5 h 05 min
